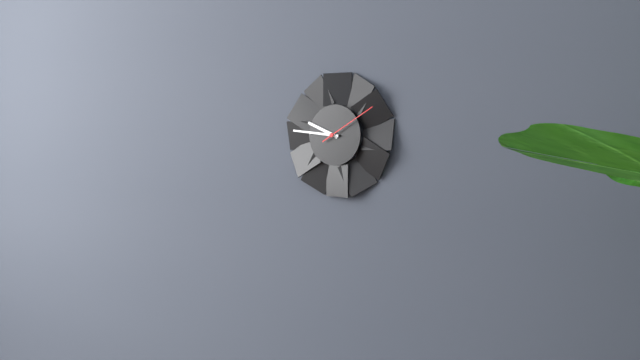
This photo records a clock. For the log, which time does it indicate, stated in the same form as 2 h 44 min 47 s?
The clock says 9 h 46 min 10 s
